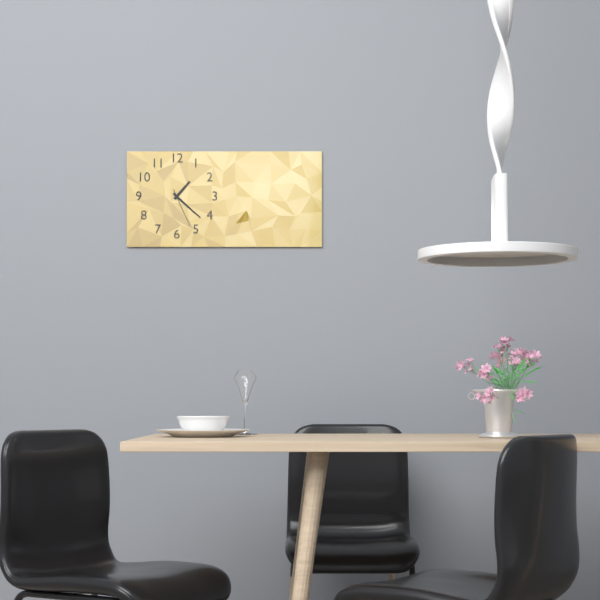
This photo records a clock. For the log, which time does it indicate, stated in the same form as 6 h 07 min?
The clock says 1 h 22 min
